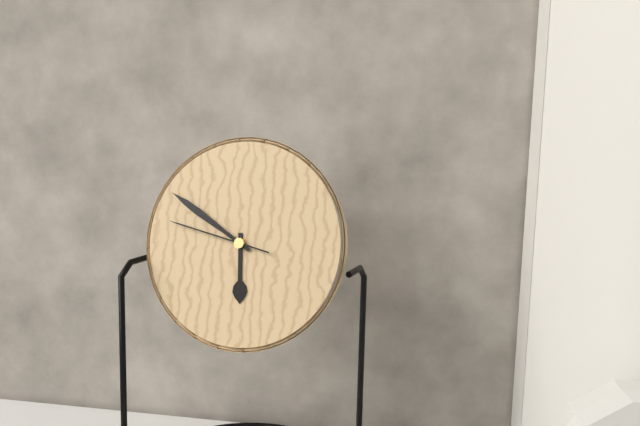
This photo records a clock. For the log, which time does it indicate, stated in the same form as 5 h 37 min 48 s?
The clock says 5 h 50 min 47 s
